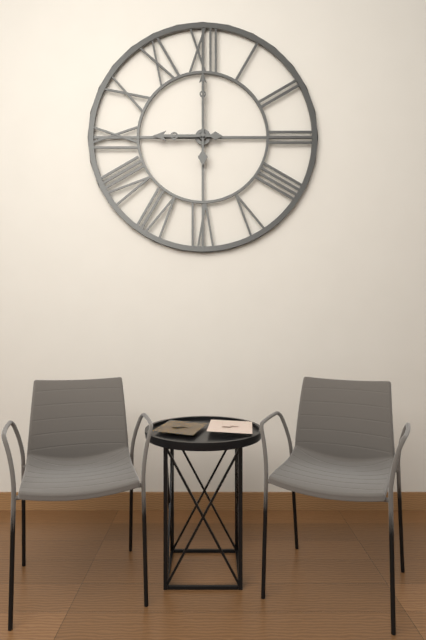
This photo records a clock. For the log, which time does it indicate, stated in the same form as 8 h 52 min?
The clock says 9 h 00 min
